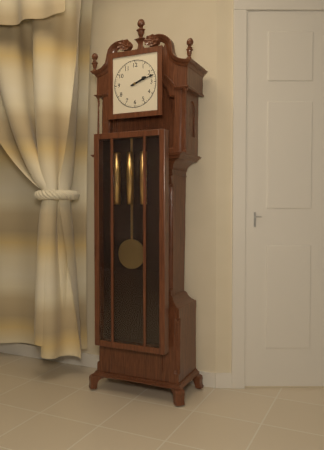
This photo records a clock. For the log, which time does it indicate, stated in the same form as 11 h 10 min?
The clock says 2 h 12 min
